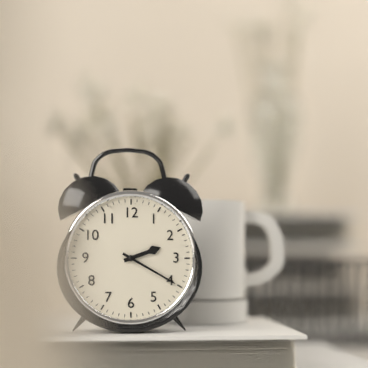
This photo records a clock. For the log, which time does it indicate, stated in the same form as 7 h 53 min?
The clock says 2 h 20 min
